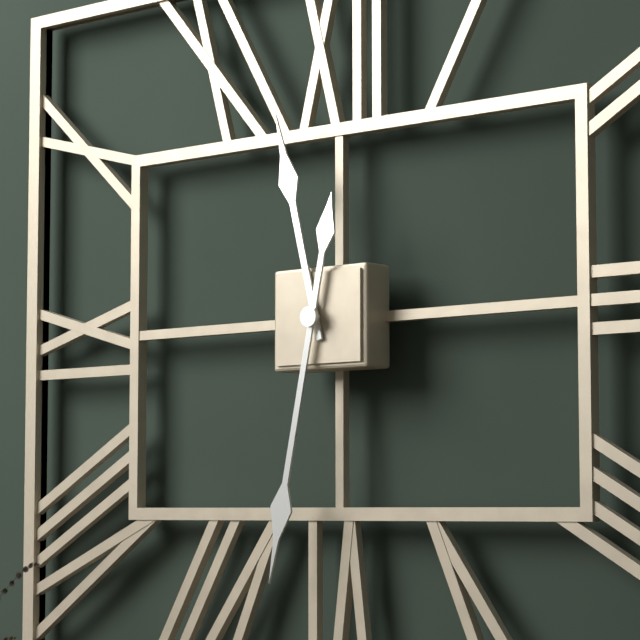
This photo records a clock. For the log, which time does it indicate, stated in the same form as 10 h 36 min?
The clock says 11 h 32 min
